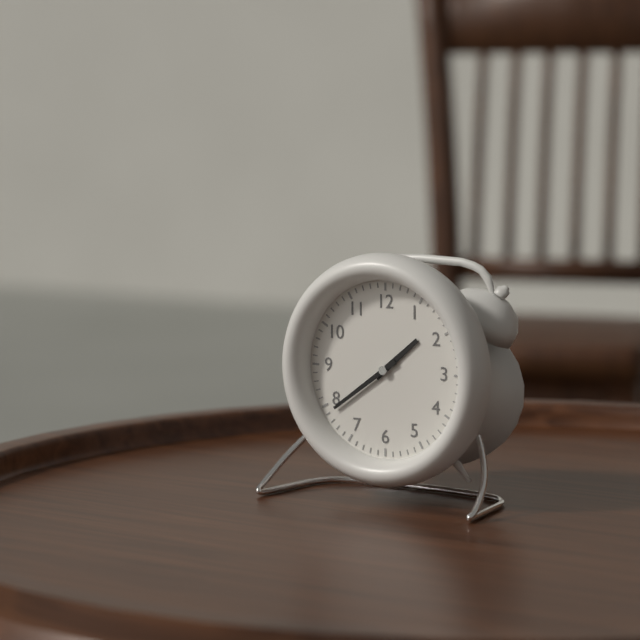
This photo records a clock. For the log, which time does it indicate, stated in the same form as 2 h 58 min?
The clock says 1 h 39 min
